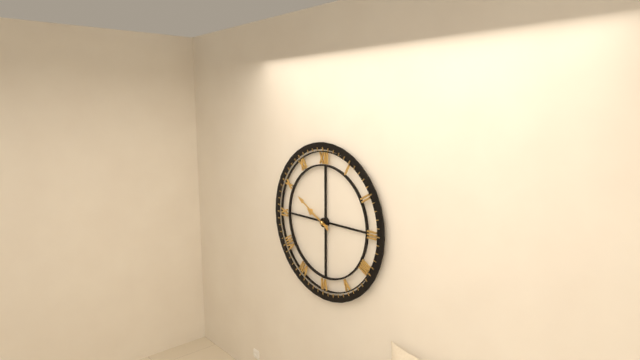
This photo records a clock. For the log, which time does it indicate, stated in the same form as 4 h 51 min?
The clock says 9 h 50 min
